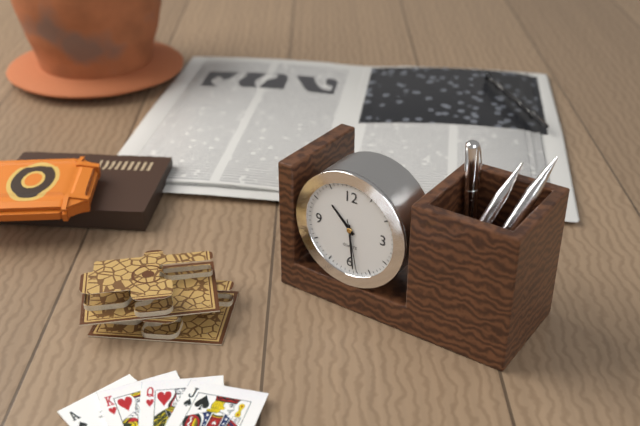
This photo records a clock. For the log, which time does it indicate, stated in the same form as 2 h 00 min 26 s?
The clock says 10 h 29 min 28 s
